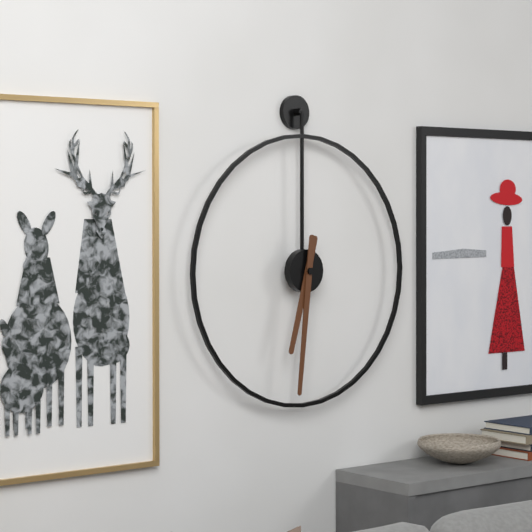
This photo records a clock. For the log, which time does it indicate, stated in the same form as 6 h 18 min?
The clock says 6 h 31 min
